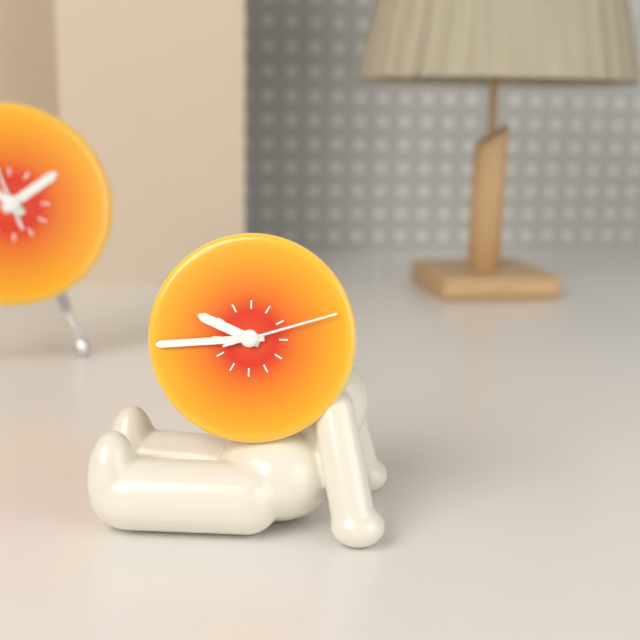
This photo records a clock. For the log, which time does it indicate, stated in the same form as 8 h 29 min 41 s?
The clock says 9 h 44 min 12 s
